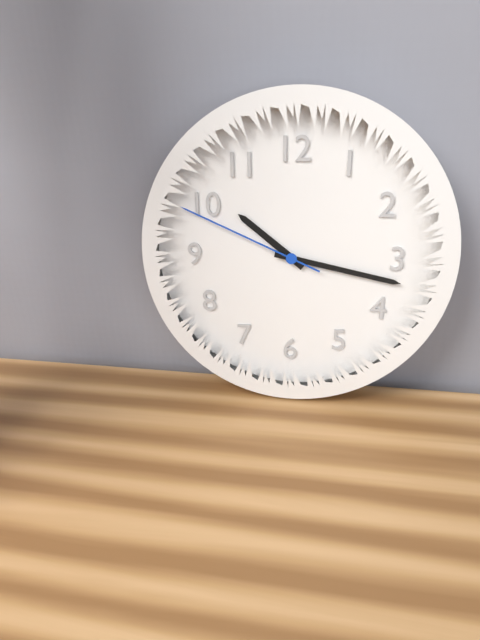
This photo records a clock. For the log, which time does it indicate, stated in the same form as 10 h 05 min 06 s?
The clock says 10 h 17 min 49 s
